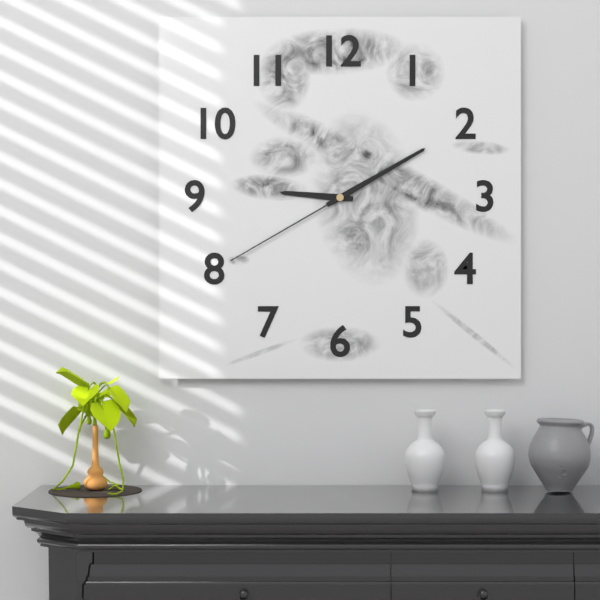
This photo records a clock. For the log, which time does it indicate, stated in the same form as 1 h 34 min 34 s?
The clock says 9 h 10 min 40 s
